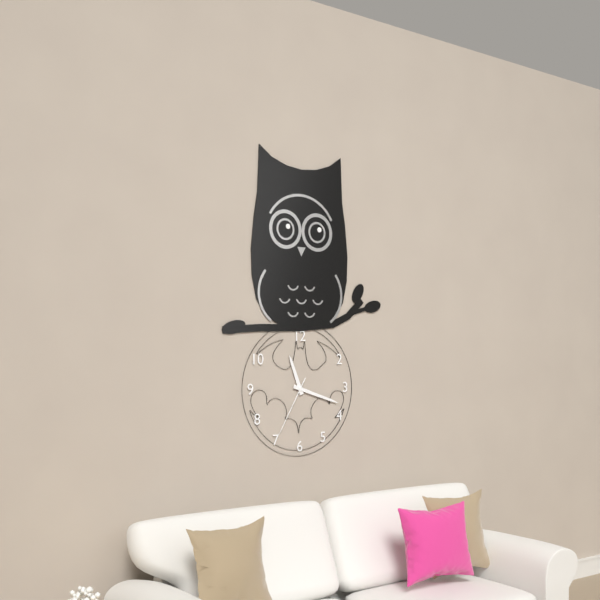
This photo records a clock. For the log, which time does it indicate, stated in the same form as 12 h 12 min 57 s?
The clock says 11 h 18 min 35 s
